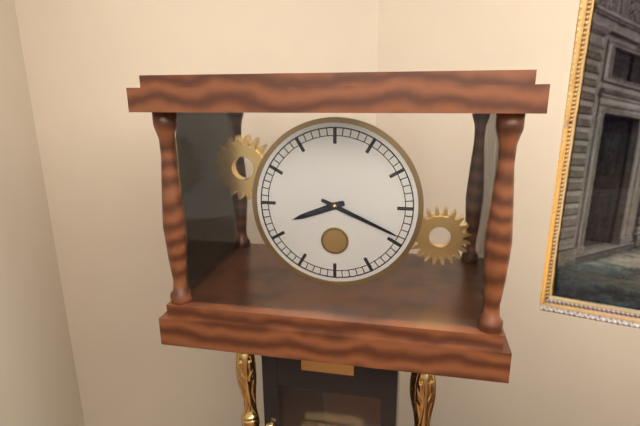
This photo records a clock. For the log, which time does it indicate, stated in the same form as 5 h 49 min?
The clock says 8 h 19 min
